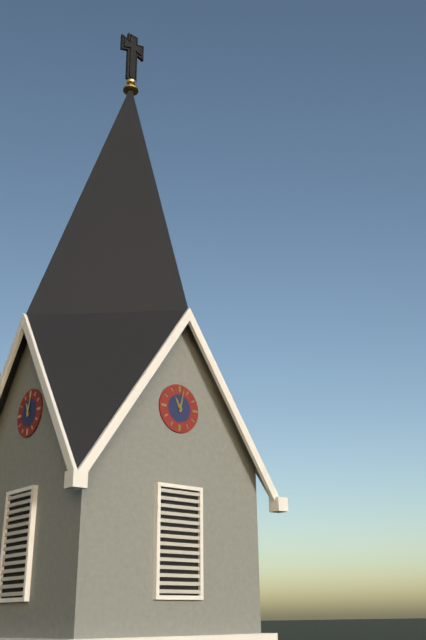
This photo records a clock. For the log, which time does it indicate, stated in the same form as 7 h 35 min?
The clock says 11 h 02 min
